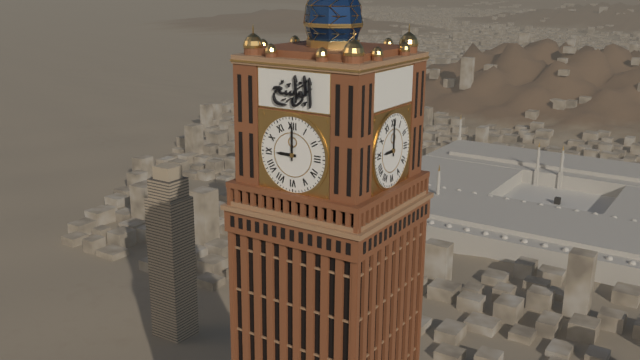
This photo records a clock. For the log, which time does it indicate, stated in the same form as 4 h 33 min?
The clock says 9 h 00 min
